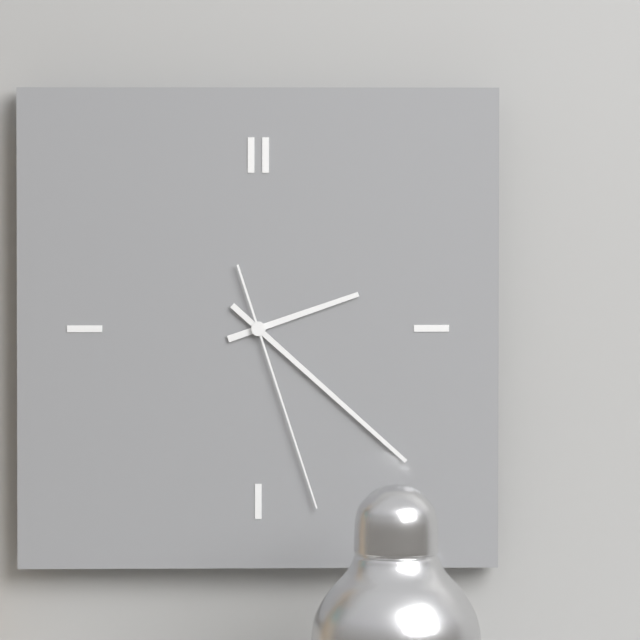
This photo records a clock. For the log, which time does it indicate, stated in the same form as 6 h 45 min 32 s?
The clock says 2 h 22 min 27 s
